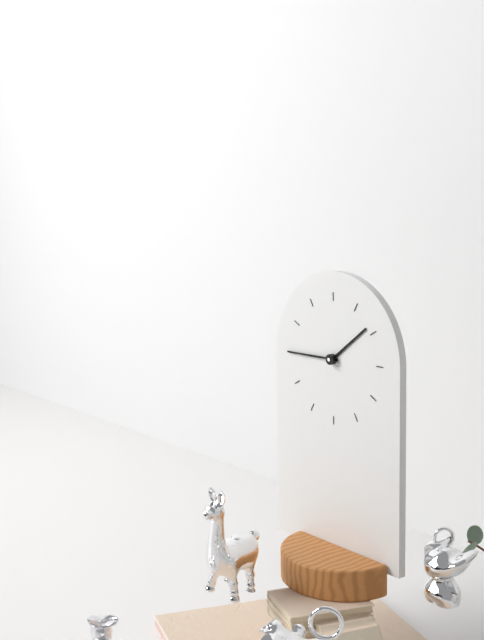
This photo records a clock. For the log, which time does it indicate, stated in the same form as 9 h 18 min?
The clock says 1 h 45 min
